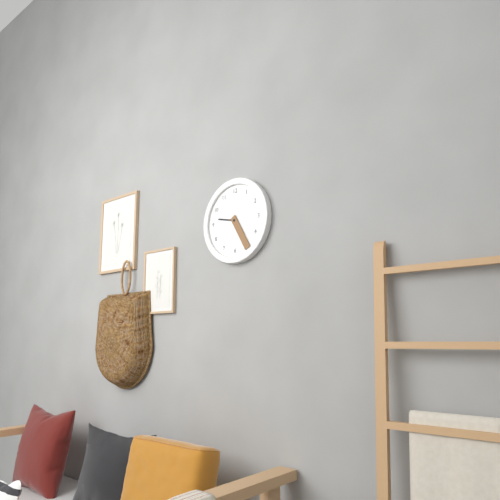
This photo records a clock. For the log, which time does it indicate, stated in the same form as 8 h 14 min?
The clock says 9 h 25 min
